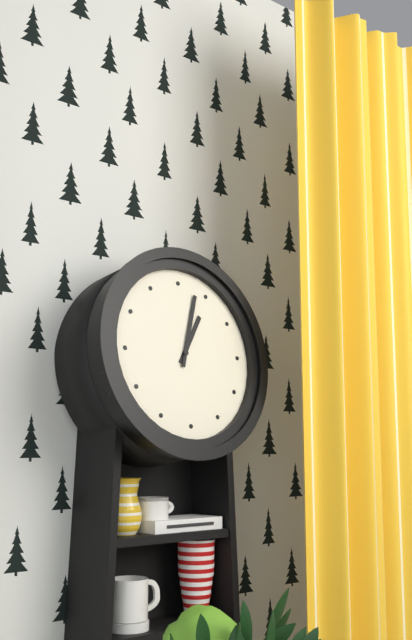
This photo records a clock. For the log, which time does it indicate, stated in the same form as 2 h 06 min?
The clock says 1 h 03 min
